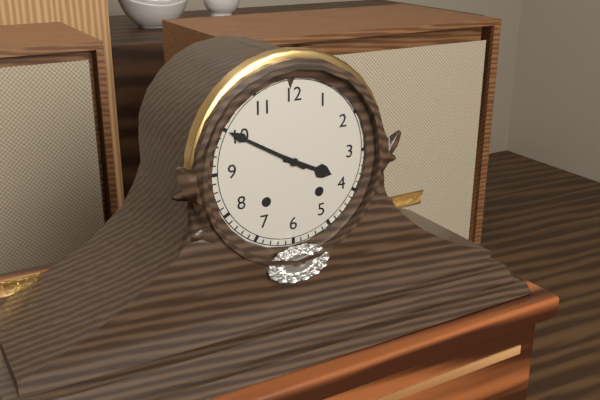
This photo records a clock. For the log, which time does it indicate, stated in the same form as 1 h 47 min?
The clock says 3 h 50 min
